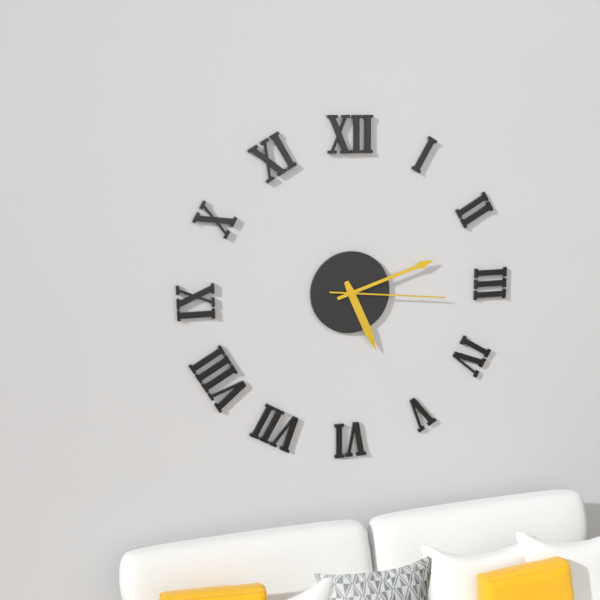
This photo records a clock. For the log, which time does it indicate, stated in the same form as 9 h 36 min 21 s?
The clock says 5 h 12 min 16 s
